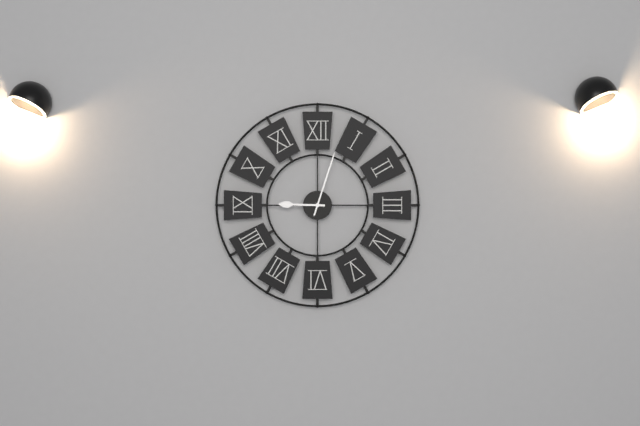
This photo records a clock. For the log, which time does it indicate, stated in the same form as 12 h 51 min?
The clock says 9 h 03 min
